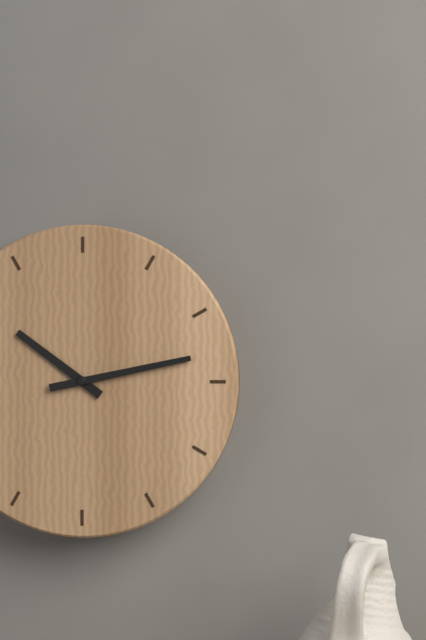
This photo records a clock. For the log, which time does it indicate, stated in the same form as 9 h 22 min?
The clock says 10 h 13 min
